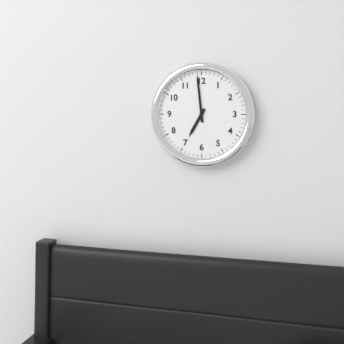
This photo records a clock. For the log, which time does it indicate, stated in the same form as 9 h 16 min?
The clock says 6 h 59 min
